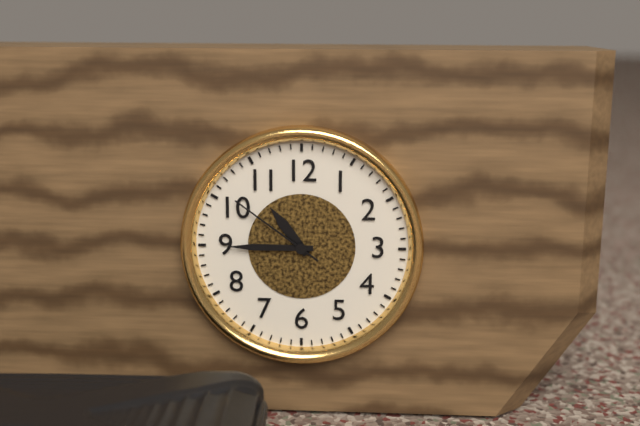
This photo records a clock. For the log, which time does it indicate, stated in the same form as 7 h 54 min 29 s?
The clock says 10 h 45 min 51 s
